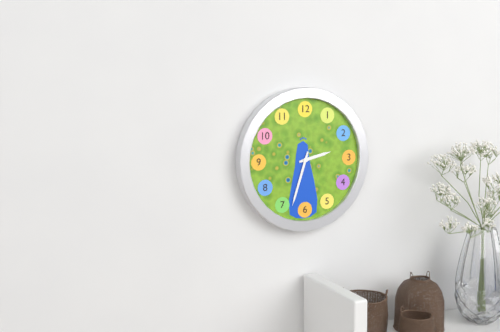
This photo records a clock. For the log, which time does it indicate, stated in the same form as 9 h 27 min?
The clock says 2 h 33 min
